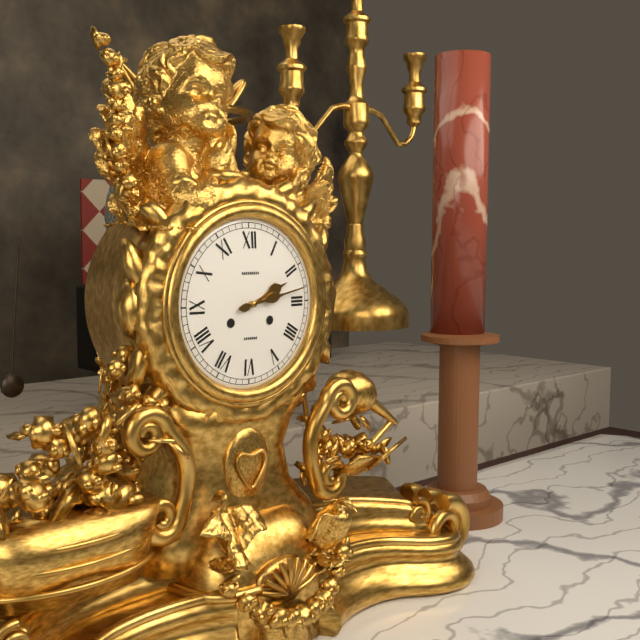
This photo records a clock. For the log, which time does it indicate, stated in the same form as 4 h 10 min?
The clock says 2 h 13 min
